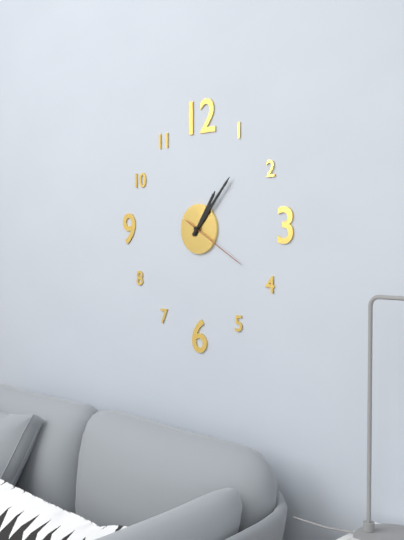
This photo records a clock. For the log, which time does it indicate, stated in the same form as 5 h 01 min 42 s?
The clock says 1 h 07 min 20 s
